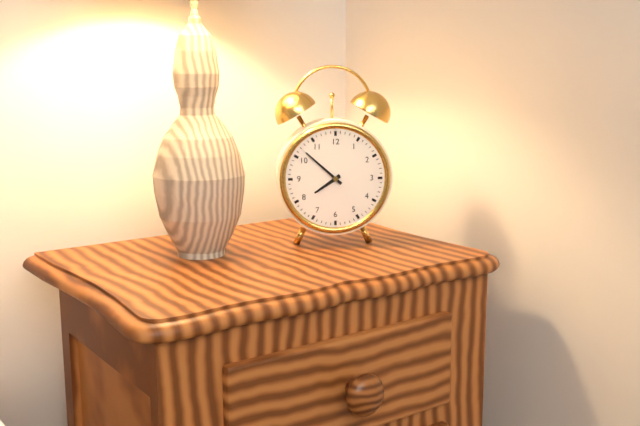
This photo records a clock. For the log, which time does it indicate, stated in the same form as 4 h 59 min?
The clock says 7 h 52 min
